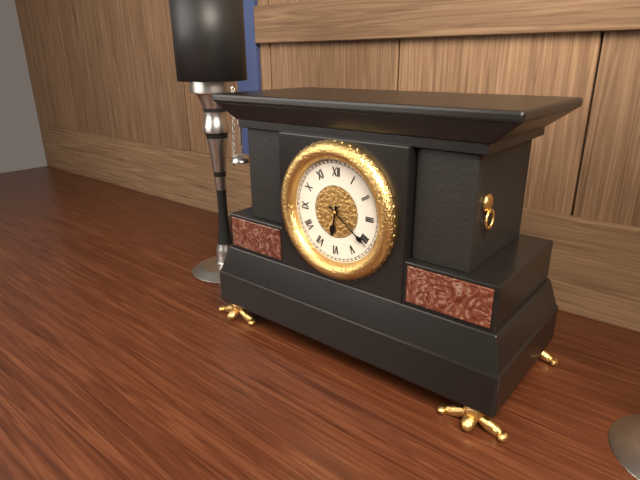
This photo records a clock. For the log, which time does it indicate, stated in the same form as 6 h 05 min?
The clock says 6 h 21 min
